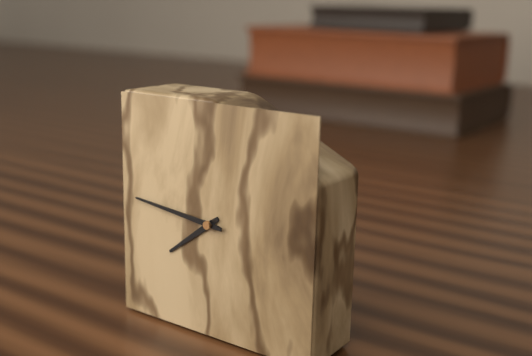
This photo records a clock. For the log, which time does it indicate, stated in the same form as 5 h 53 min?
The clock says 7 h 46 min
